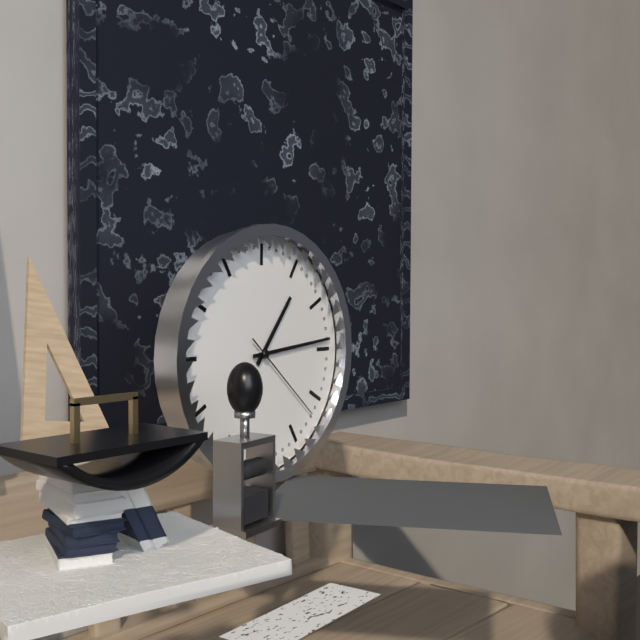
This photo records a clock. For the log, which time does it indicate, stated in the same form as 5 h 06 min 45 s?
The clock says 1 h 14 min 22 s
